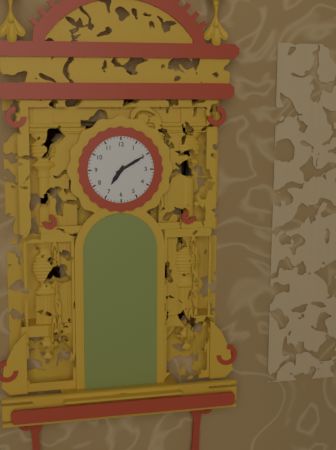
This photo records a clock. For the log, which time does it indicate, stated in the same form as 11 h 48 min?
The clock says 7 h 10 min
